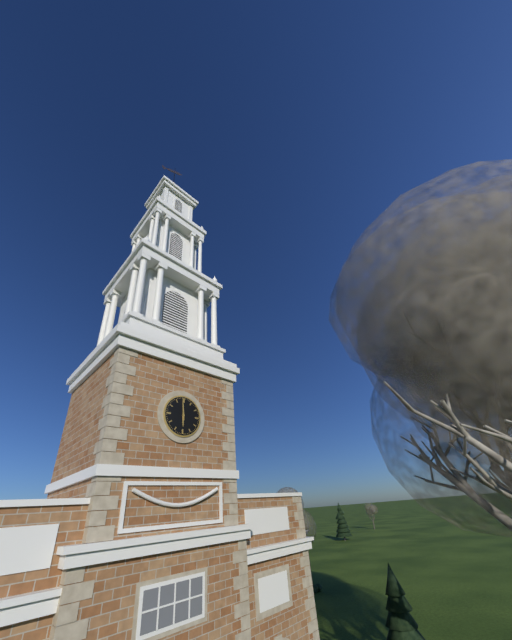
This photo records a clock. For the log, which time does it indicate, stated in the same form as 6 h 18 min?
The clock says 5 h 59 min
